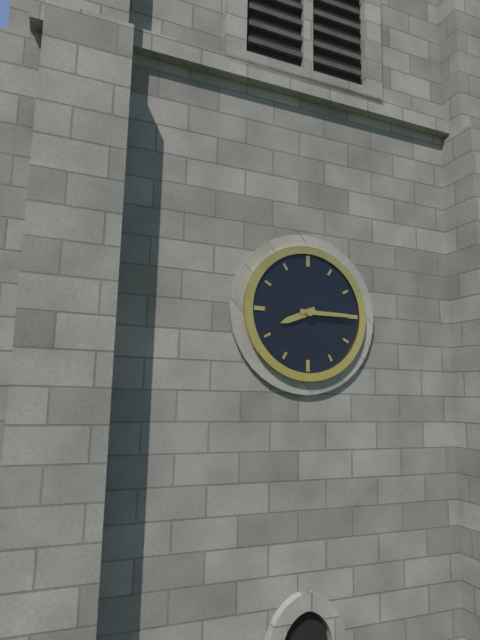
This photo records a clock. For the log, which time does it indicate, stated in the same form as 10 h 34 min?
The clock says 8 h 15 min
